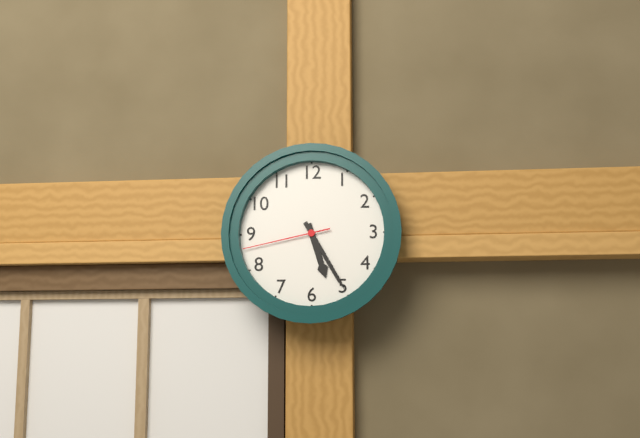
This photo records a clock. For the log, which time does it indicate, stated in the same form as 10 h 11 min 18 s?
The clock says 5 h 25 min 43 s
